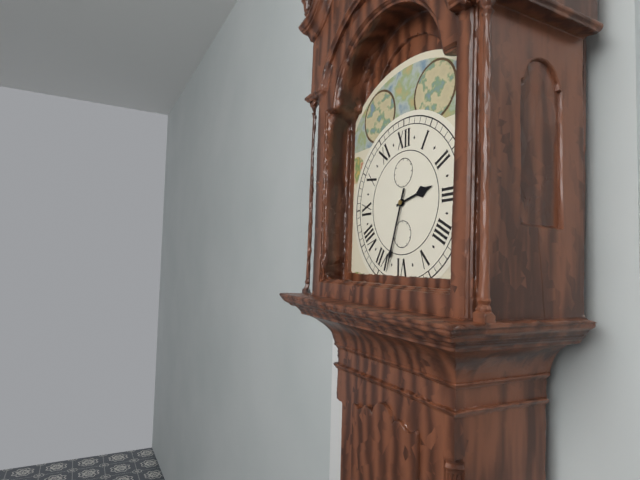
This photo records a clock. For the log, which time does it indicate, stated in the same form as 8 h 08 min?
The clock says 2 h 33 min
